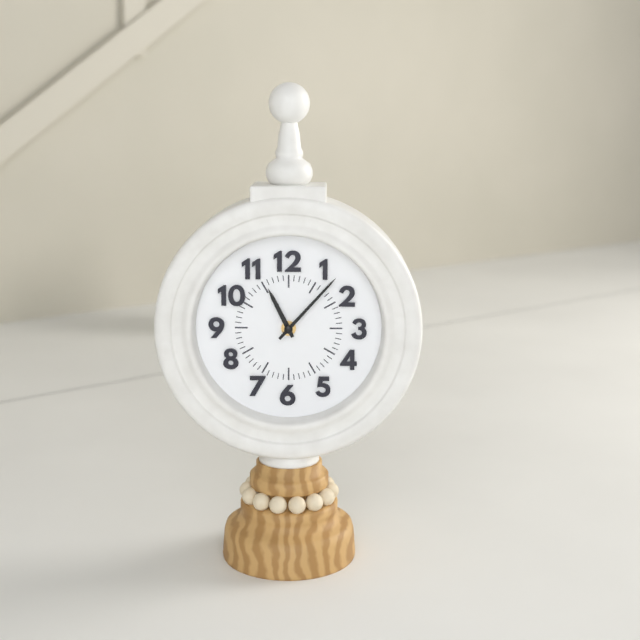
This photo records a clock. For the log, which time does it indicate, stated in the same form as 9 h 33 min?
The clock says 11 h 07 min
